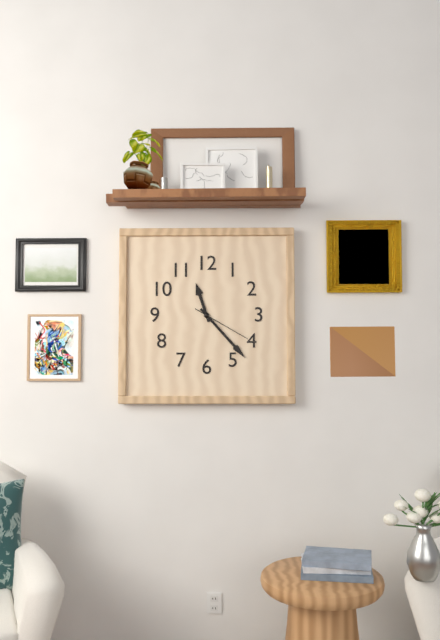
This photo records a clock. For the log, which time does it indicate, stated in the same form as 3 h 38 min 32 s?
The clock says 11 h 23 min 20 s
